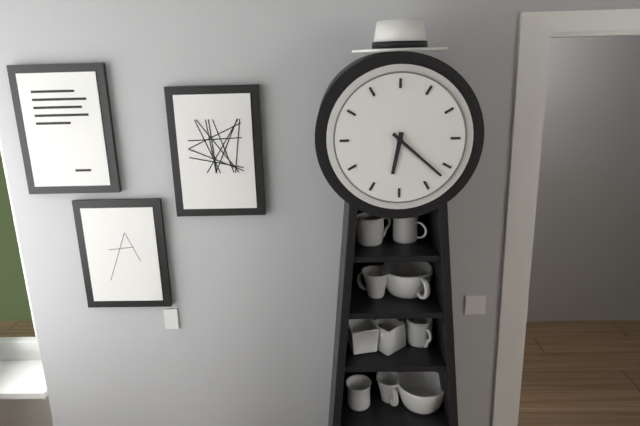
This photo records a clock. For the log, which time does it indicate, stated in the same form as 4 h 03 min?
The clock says 6 h 22 min
